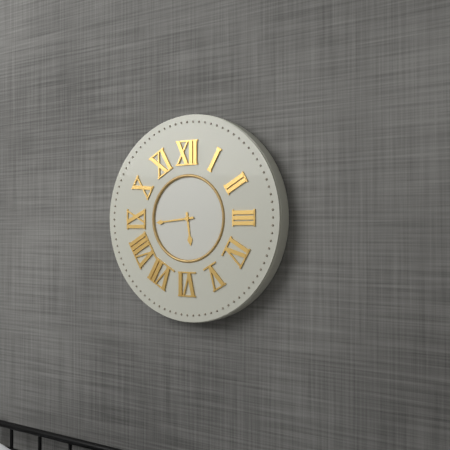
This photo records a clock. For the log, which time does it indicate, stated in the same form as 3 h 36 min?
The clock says 5 h 44 min
